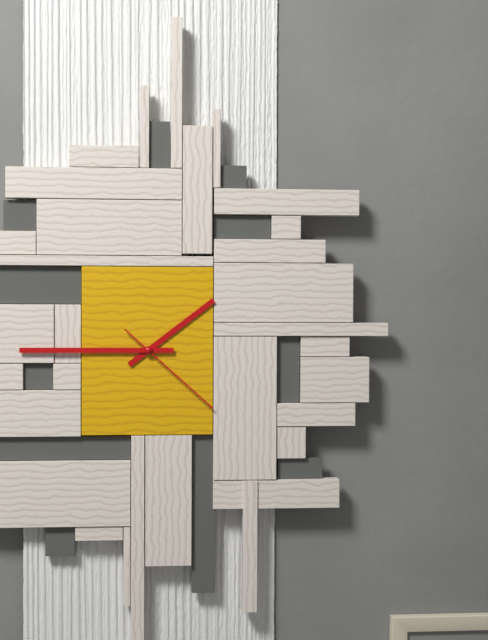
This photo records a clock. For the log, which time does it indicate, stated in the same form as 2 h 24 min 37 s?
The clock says 1 h 45 min 22 s
